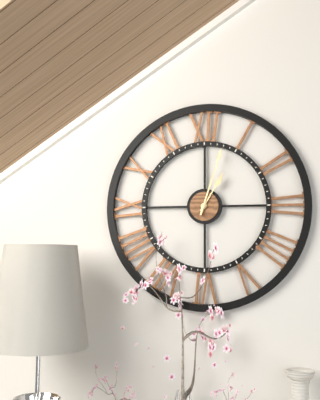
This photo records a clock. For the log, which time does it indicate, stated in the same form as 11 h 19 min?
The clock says 1 h 03 min
